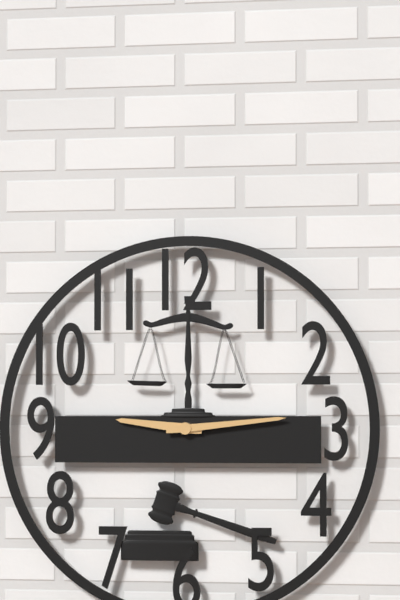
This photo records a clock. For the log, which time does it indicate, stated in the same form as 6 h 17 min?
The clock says 9 h 14 min
